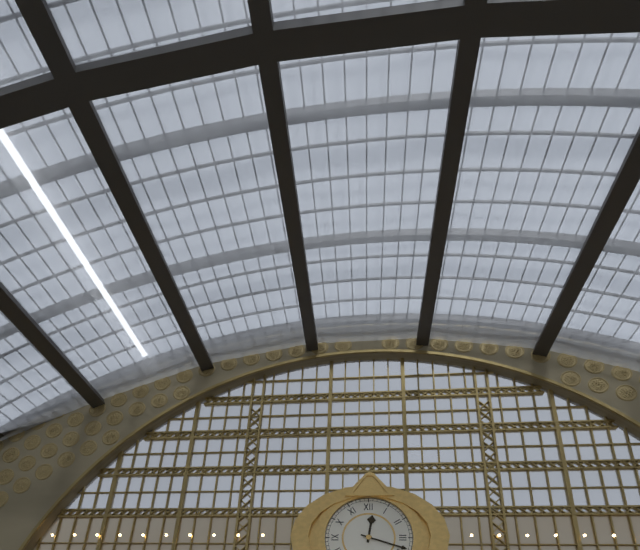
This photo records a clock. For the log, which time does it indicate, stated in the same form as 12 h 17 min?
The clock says 12 h 18 min
